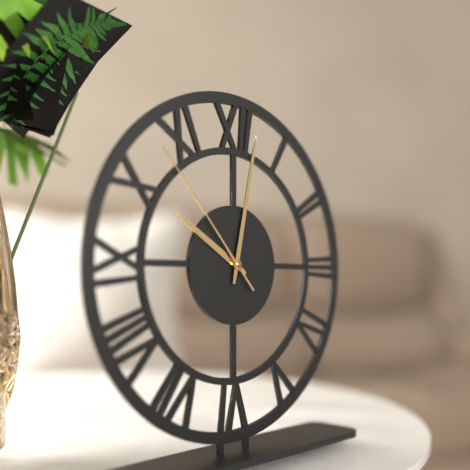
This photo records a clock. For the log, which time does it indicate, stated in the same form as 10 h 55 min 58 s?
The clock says 10 h 02 min 53 s
